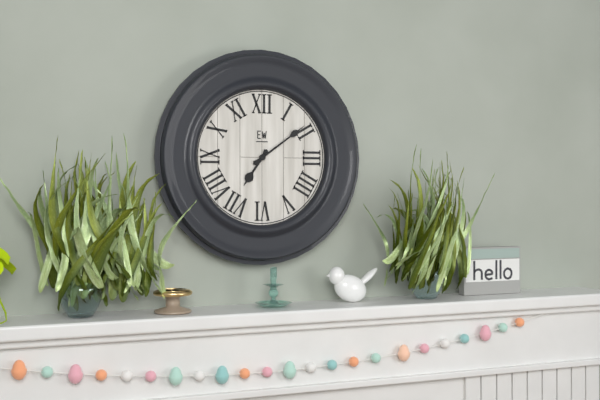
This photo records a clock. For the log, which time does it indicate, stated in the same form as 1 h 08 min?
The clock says 7 h 09 min
